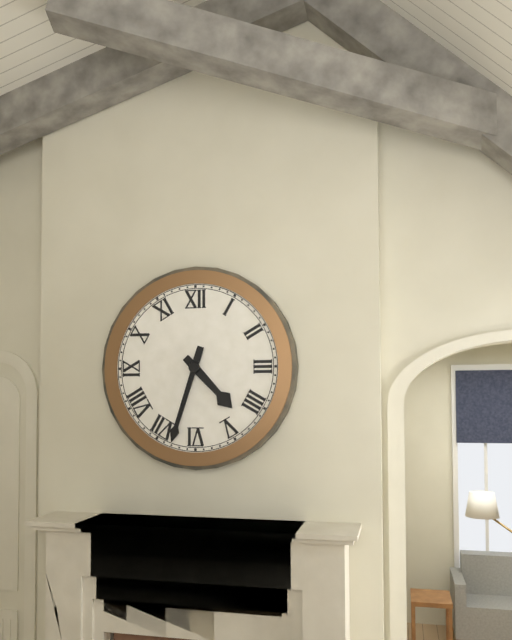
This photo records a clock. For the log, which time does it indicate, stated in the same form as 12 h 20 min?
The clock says 4 h 33 min
